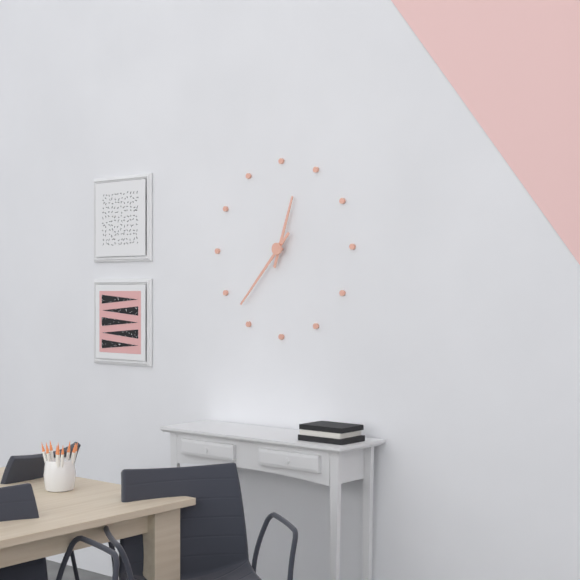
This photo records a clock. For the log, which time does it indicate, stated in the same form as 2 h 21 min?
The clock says 12 h 37 min
